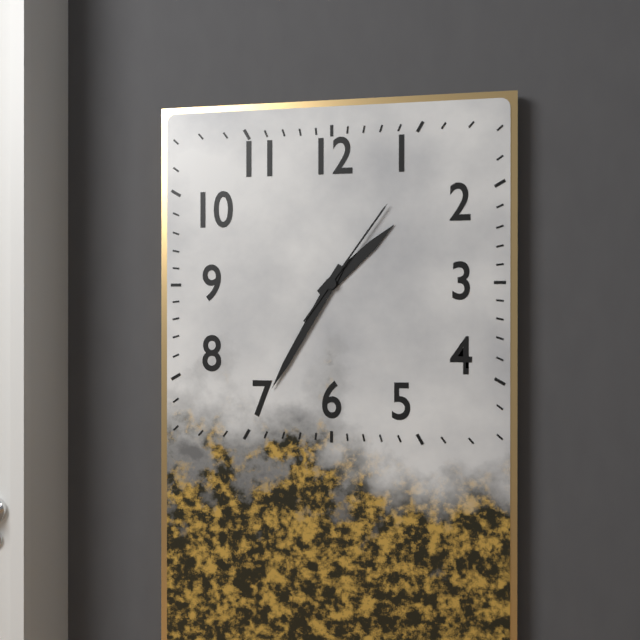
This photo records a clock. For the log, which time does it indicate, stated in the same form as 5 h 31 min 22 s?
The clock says 1 h 35 min 06 s
